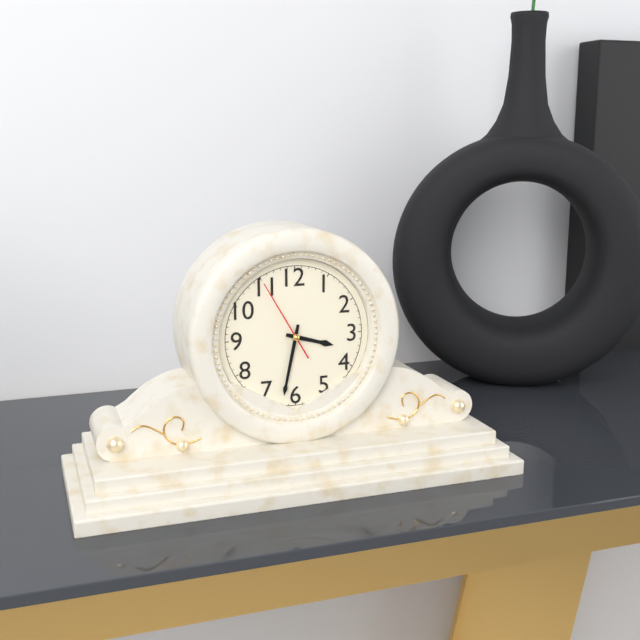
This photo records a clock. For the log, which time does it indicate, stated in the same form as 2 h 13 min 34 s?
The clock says 3 h 32 min 55 s
